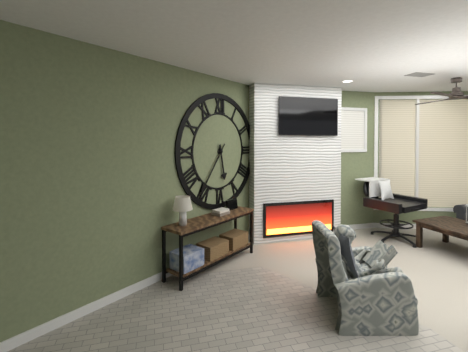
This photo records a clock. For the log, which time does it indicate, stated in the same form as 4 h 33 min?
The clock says 5 h 36 min
